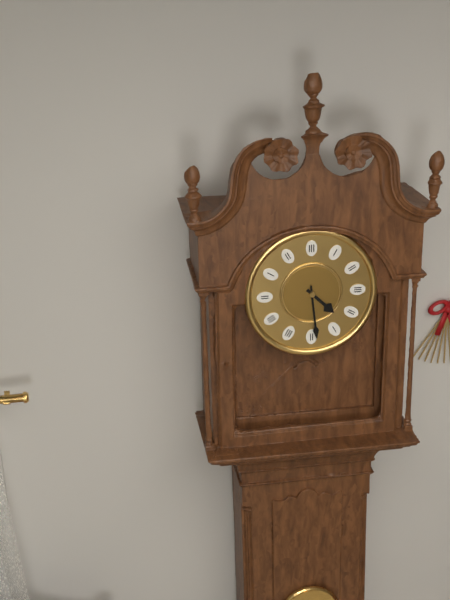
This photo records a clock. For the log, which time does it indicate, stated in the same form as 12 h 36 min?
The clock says 4 h 29 min
